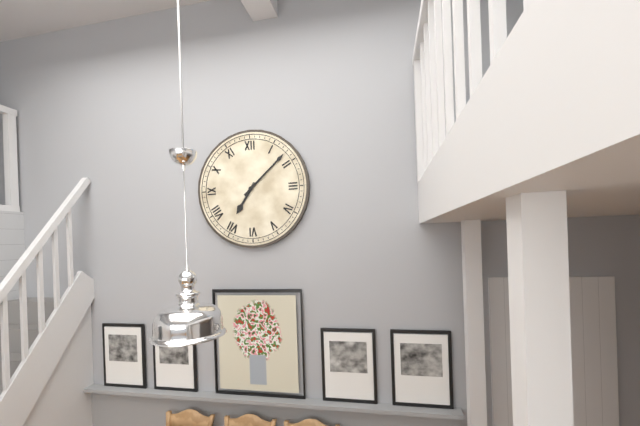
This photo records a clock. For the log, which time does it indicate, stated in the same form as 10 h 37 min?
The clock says 7 h 08 min
